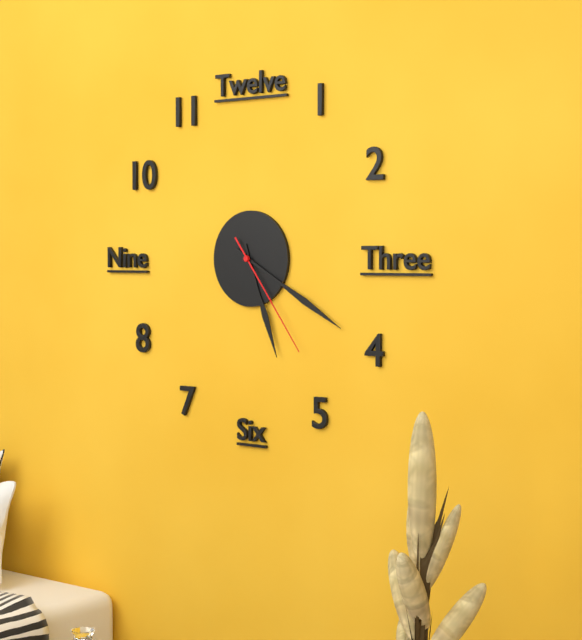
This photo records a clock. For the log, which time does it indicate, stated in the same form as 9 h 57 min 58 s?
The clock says 5 h 20 min 24 s
